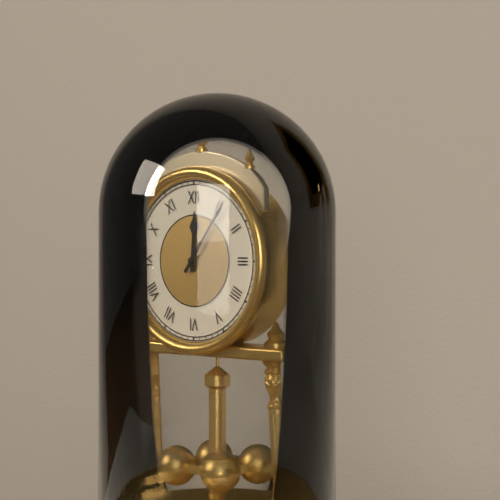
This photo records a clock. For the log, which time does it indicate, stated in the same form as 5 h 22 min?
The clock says 12 h 06 min
